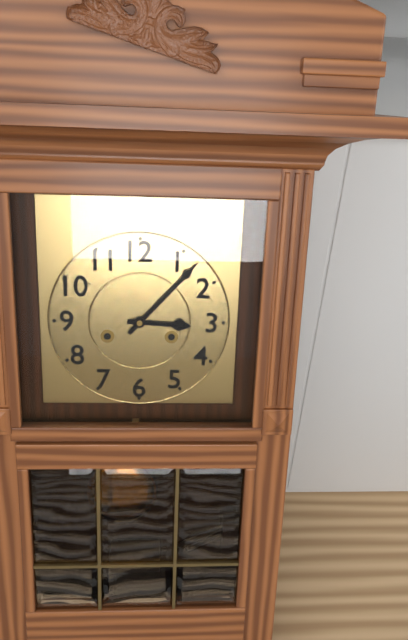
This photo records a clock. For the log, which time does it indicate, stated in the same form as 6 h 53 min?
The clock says 3 h 07 min
